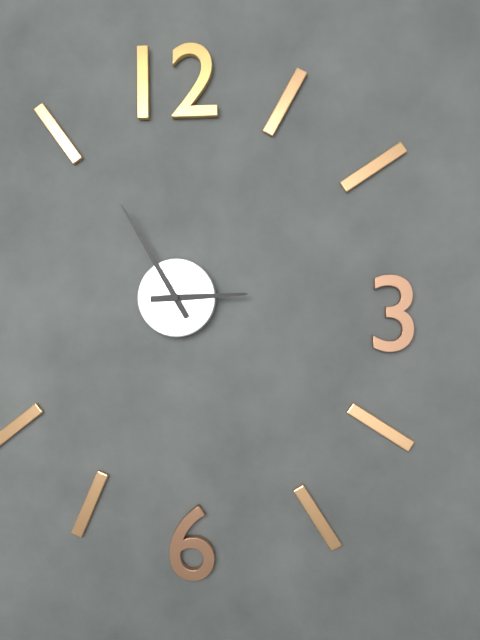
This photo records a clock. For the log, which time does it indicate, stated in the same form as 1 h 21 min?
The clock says 2 h 55 min
